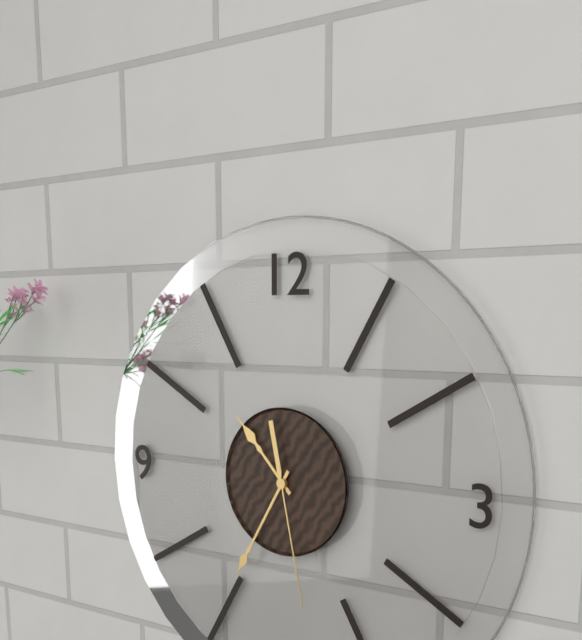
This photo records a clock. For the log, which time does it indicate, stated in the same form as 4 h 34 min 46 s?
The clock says 10 h 35 min 28 s
